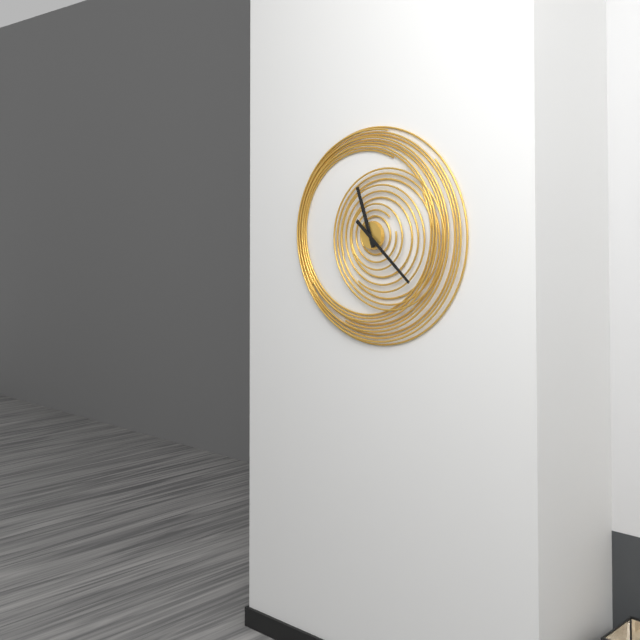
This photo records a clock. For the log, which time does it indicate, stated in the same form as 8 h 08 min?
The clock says 11 h 22 min
